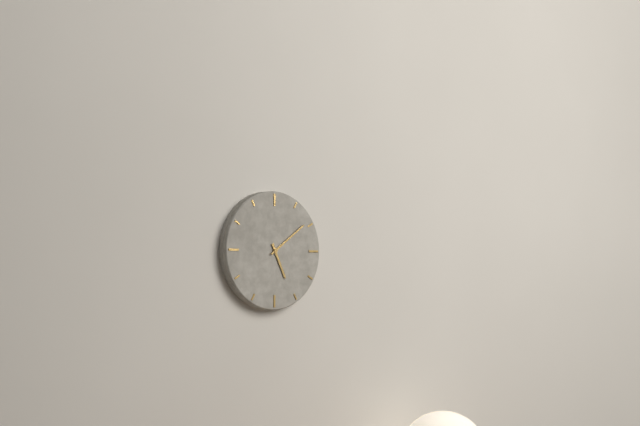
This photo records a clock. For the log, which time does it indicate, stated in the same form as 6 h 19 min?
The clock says 5 h 09 min
